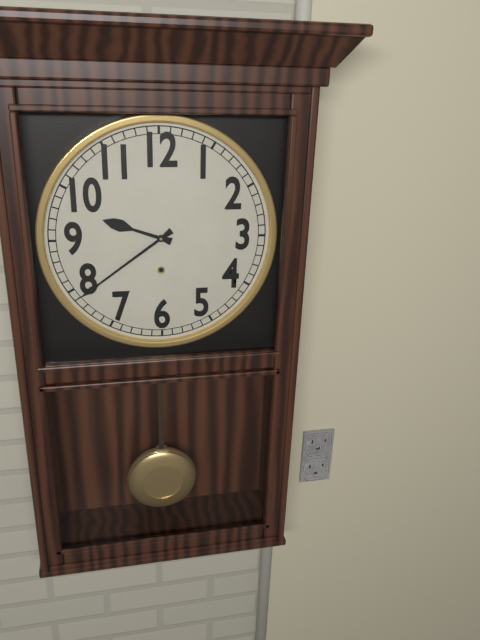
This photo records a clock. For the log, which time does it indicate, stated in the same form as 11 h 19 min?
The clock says 9 h 39 min
